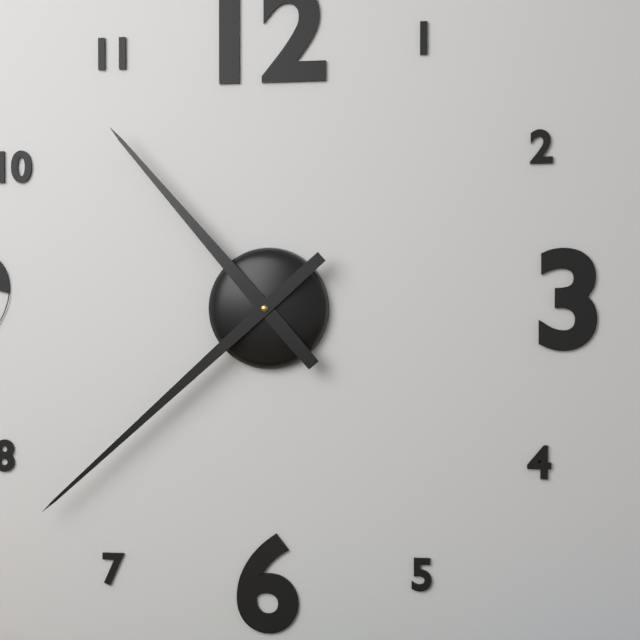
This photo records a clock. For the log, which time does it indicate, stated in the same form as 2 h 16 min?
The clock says 10 h 38 min
